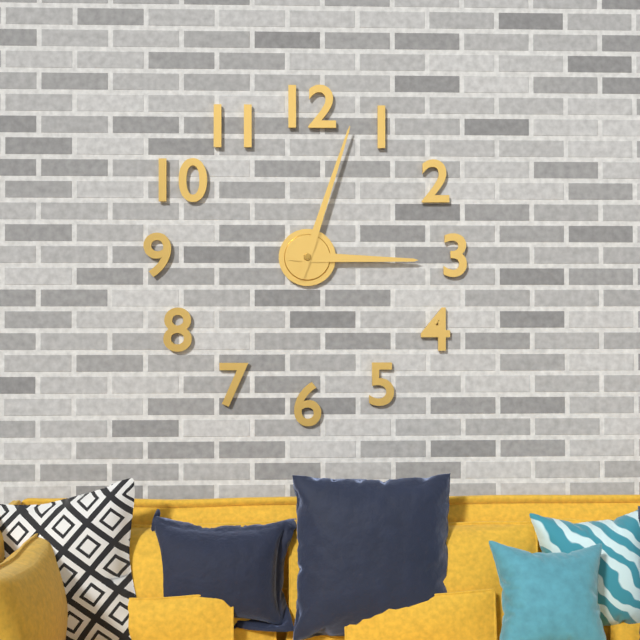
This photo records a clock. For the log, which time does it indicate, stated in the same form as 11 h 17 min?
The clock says 3 h 03 min
